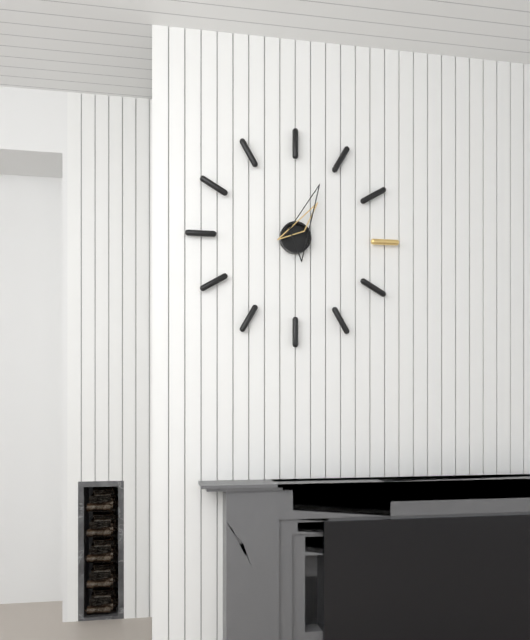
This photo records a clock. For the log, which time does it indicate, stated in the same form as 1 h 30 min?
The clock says 1 h 04 min
